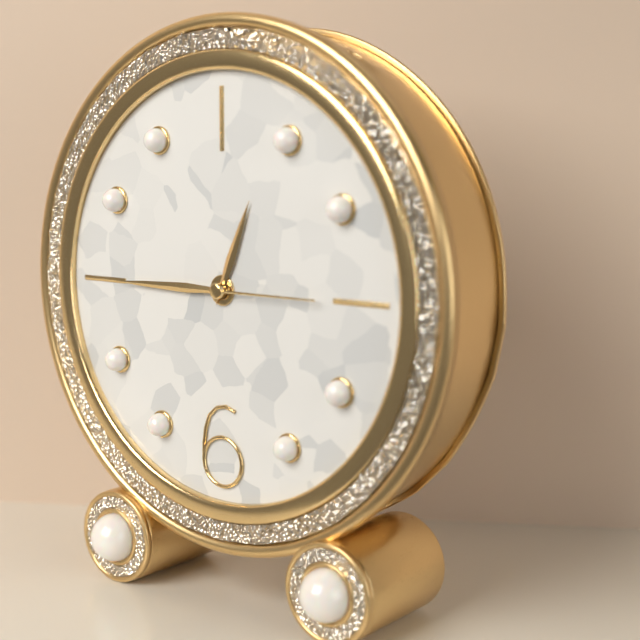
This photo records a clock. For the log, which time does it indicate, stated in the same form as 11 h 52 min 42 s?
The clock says 12 h 45 min 15 s
